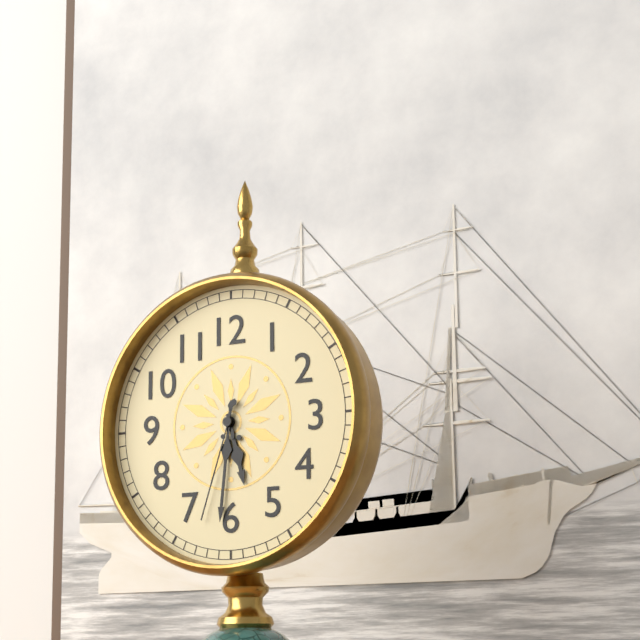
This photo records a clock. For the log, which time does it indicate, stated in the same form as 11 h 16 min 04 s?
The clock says 5 h 31 min 33 s
